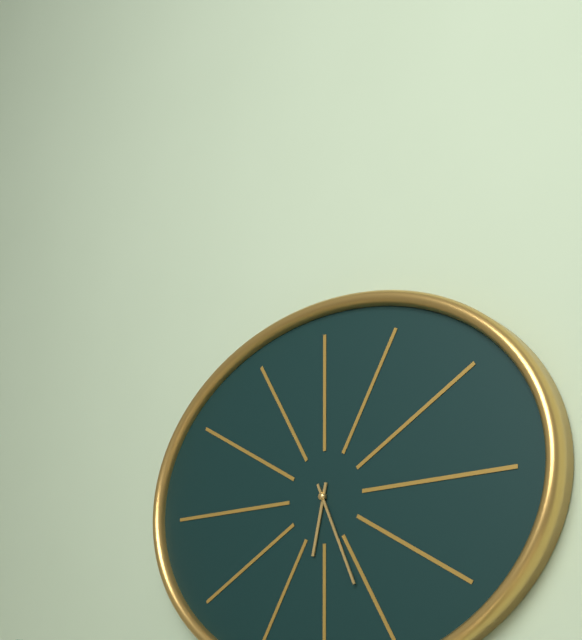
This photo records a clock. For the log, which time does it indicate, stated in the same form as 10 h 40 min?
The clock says 6 h 26 min
